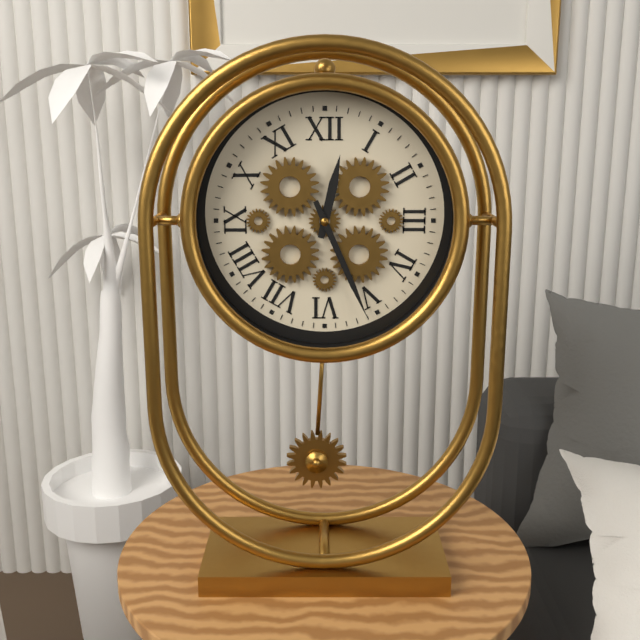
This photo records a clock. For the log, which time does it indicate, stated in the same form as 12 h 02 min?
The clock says 12 h 26 min
